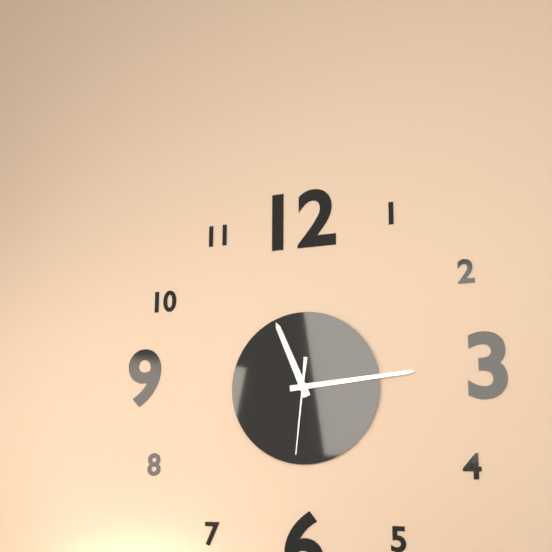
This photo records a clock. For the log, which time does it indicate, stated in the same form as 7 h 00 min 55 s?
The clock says 11 h 14 min 31 s
